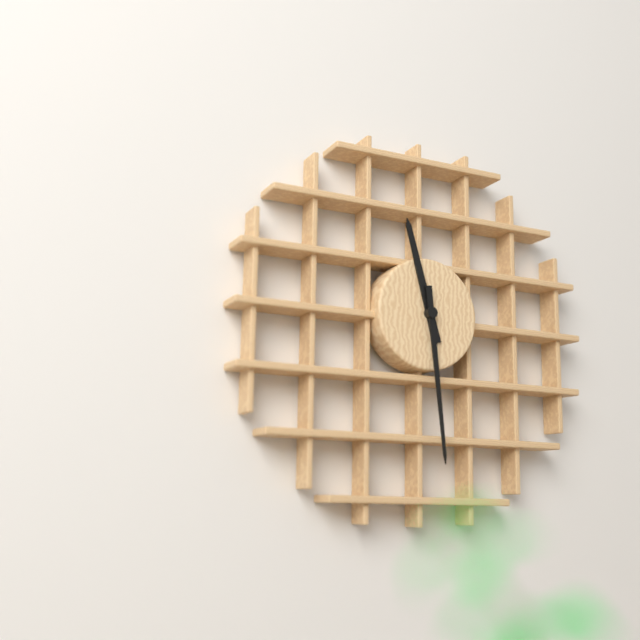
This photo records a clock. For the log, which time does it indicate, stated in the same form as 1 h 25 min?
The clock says 11 h 29 min
